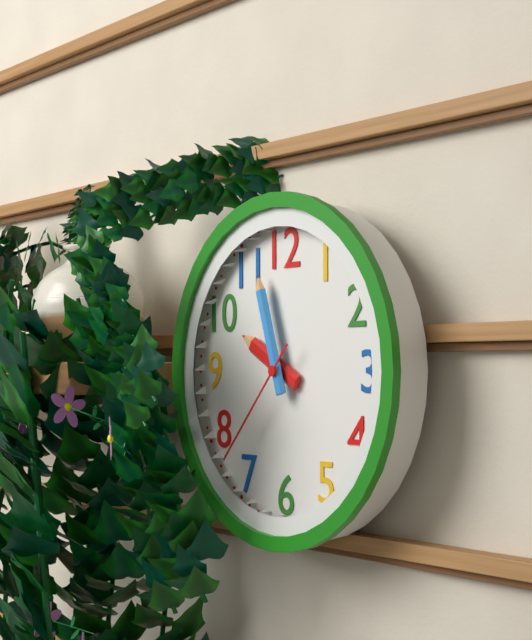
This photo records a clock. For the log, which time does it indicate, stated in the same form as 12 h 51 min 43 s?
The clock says 9 h 57 min 37 s
